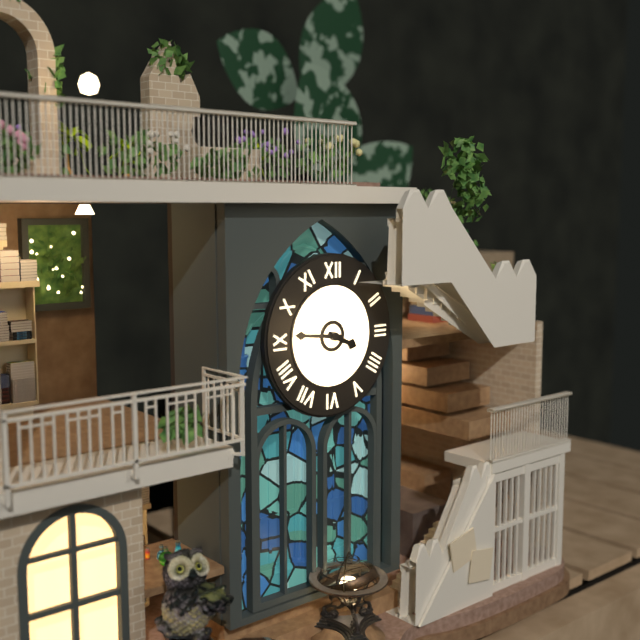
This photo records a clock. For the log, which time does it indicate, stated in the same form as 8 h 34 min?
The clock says 3 h 46 min
